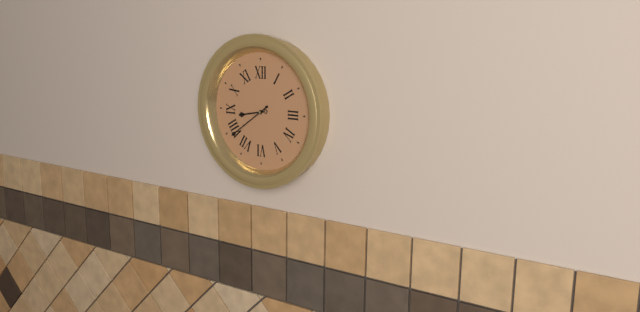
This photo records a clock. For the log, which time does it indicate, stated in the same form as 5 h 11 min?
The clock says 8 h 39 min
